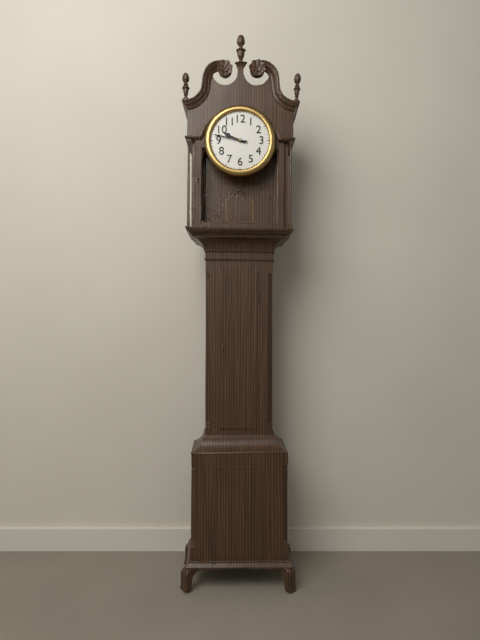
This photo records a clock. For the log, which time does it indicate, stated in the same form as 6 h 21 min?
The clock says 9 h 47 min
